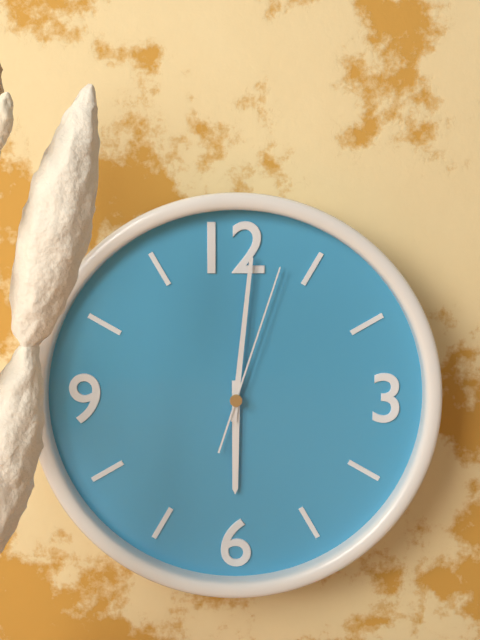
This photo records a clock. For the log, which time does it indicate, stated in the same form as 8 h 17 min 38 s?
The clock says 6 h 01 min 03 s
